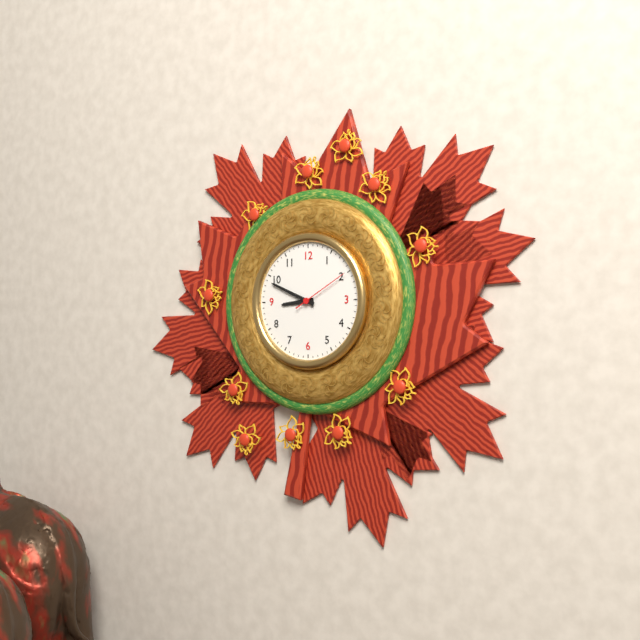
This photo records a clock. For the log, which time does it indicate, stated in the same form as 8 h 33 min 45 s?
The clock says 8 h 49 min 10 s
